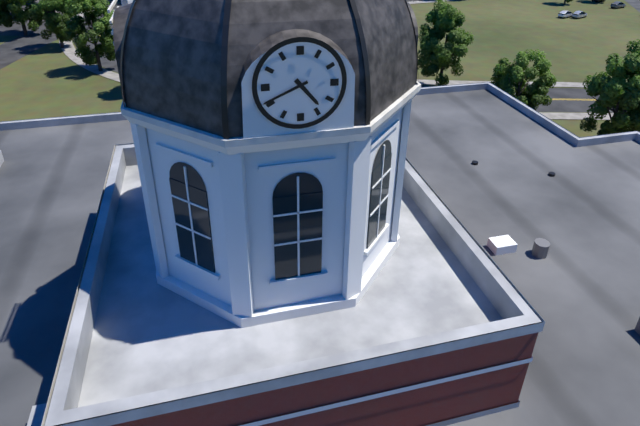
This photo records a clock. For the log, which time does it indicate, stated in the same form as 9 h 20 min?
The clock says 4 h 41 min
